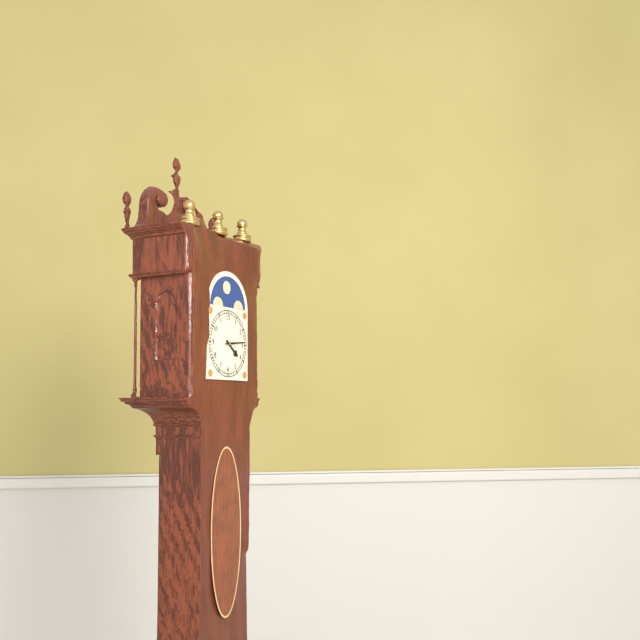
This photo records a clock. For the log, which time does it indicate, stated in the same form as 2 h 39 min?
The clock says 4 h 14 min
